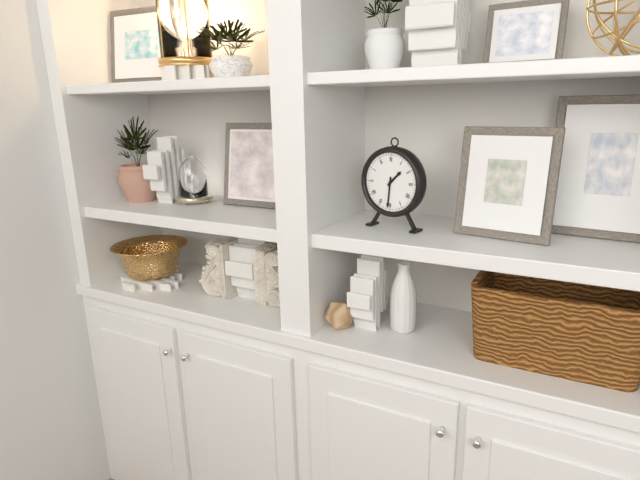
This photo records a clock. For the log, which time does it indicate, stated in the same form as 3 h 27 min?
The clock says 1 h 31 min
